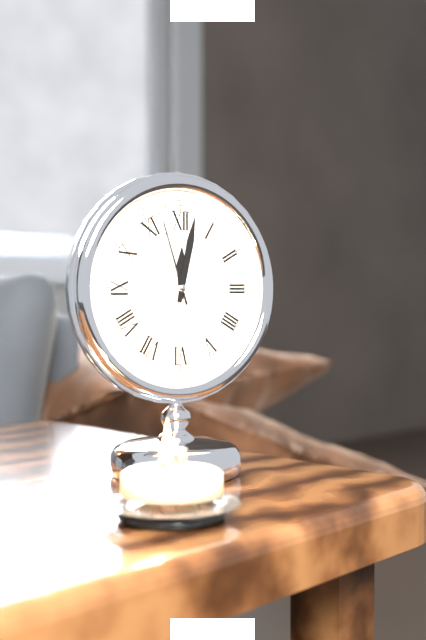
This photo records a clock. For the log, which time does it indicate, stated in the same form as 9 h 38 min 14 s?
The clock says 12 h 02 min 57 s
